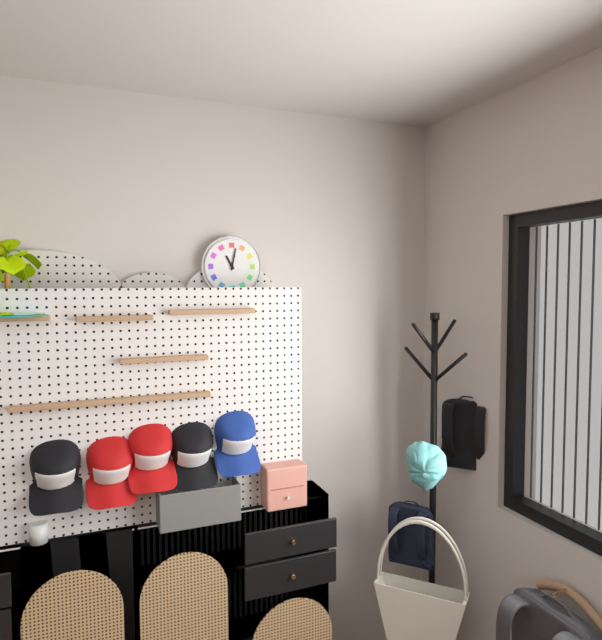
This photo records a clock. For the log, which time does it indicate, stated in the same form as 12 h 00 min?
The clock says 11 h 02 min
